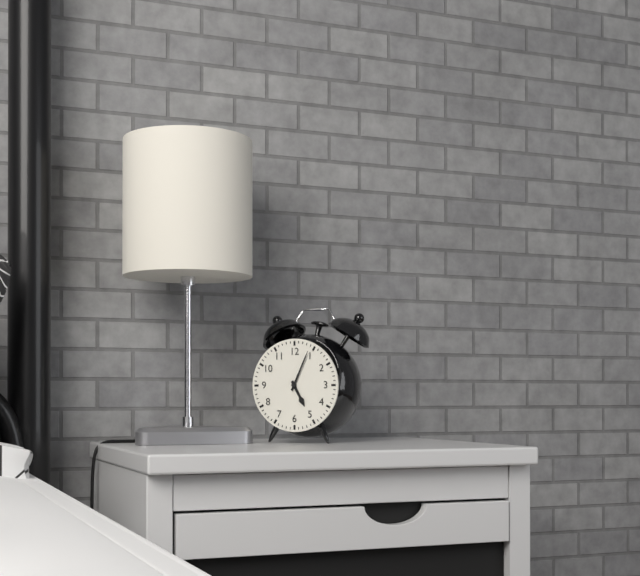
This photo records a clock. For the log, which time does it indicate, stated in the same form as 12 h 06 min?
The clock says 5 h 04 min
